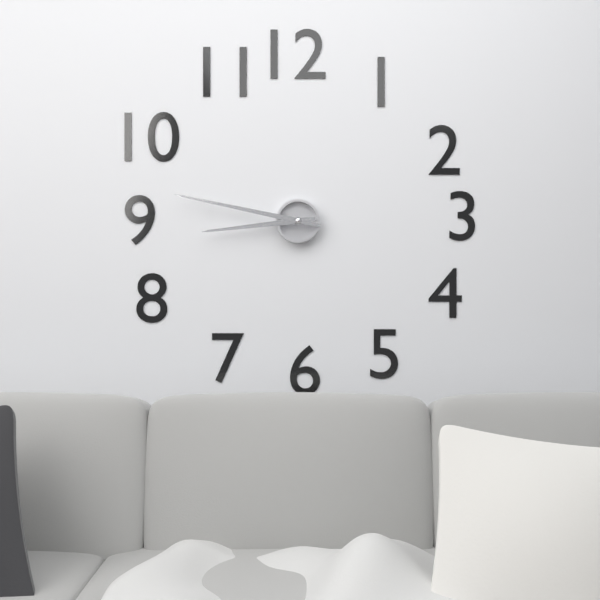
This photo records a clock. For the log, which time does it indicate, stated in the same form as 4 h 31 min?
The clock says 8 h 47 min
